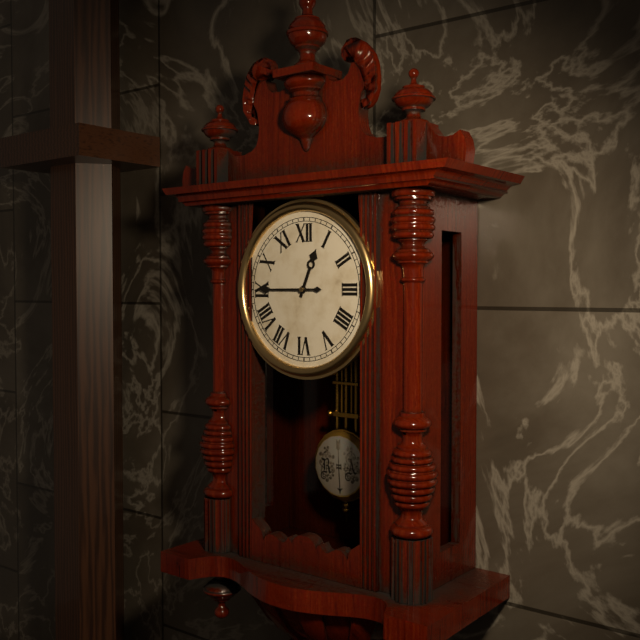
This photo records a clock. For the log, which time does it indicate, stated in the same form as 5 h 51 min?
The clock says 12 h 45 min
